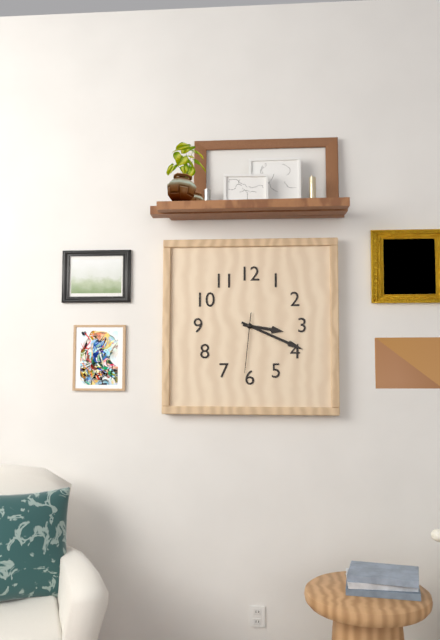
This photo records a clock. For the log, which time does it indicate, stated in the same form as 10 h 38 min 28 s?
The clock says 3 h 19 min 31 s
